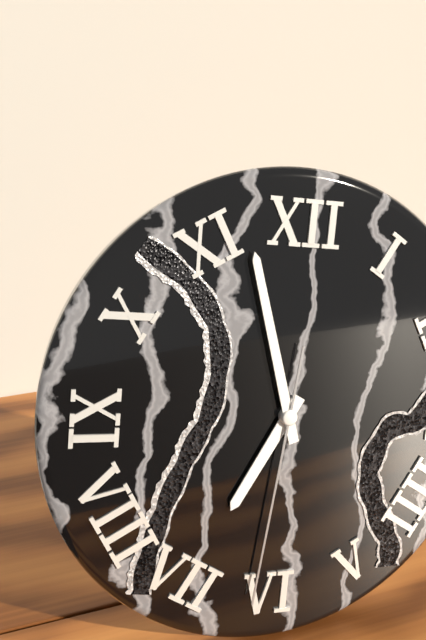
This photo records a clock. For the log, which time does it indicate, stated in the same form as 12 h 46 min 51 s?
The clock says 6 h 57 min 31 s
